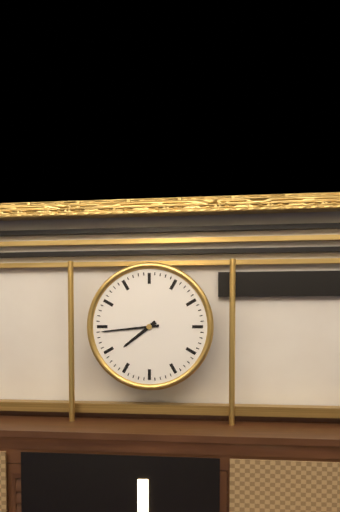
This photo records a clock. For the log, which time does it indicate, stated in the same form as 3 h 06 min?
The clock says 7 h 44 min
